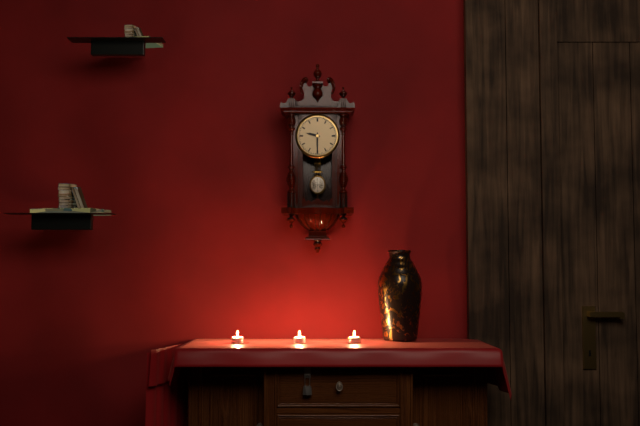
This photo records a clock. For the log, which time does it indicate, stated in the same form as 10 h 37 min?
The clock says 9 h 30 min
